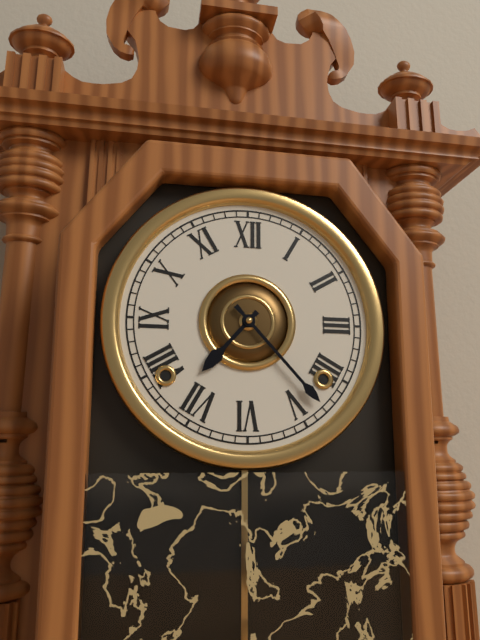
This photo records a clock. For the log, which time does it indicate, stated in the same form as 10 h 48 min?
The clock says 7 h 23 min
